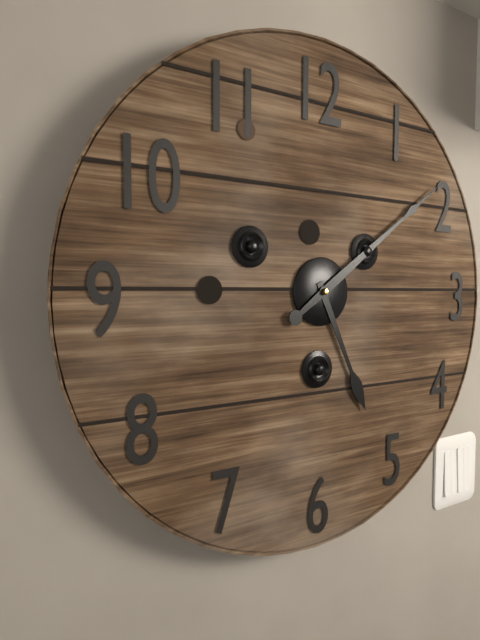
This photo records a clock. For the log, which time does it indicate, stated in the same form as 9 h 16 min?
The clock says 5 h 09 min
